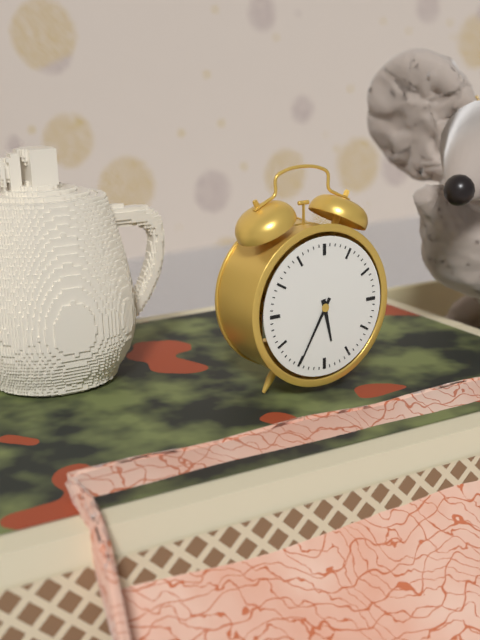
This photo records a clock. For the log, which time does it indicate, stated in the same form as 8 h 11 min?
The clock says 5 h 35 min
